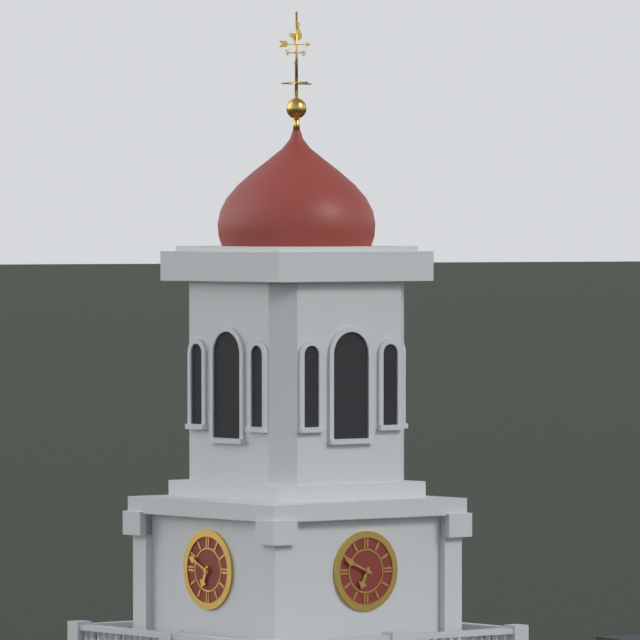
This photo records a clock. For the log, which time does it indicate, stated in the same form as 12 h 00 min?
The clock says 6 h 49 min
